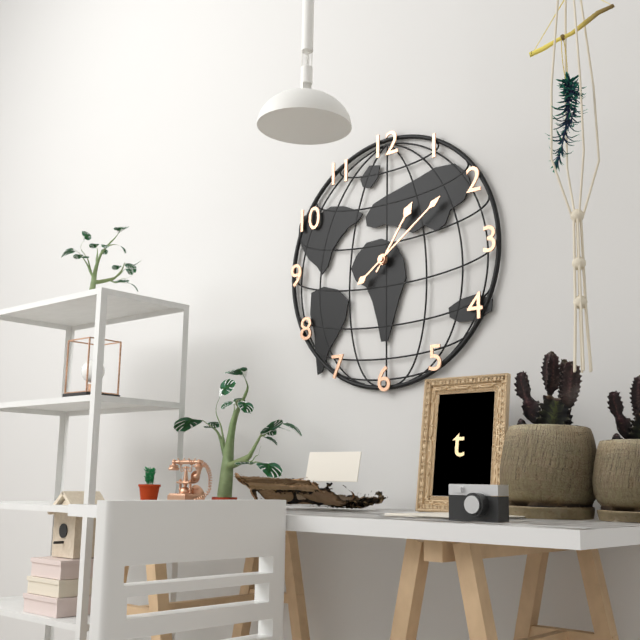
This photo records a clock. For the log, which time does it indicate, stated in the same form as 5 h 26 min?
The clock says 1 h 09 min
